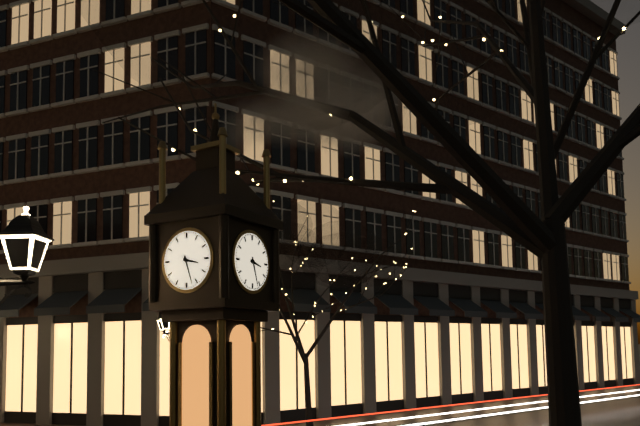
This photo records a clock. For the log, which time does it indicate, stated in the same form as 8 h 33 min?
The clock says 3 h 27 min
